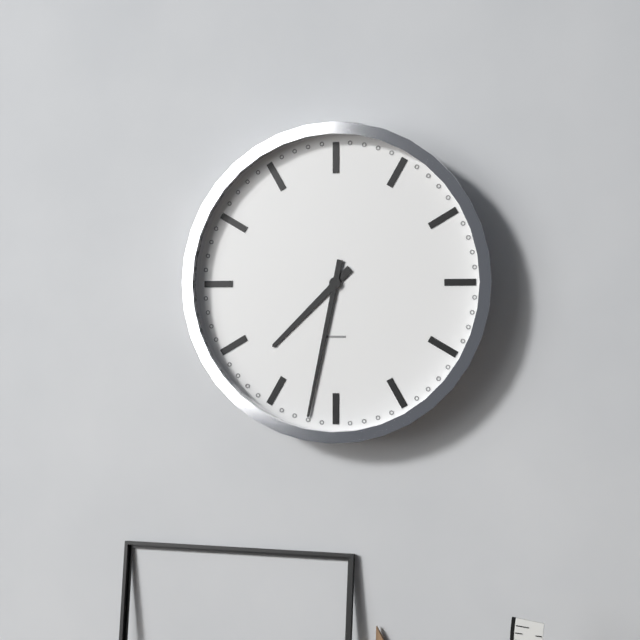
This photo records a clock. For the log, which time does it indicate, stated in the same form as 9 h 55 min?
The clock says 7 h 32 min
